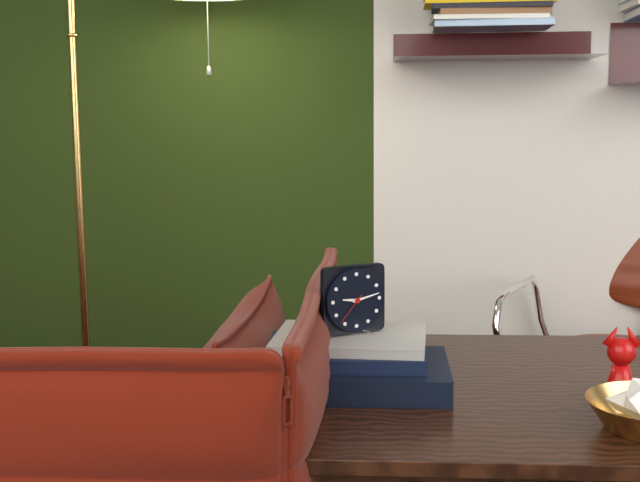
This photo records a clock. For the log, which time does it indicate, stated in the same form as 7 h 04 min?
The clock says 9 h 13 min
